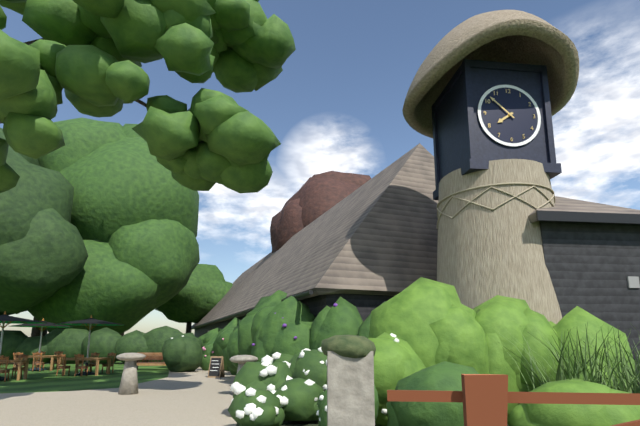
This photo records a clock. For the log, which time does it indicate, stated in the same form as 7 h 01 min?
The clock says 7 h 52 min
